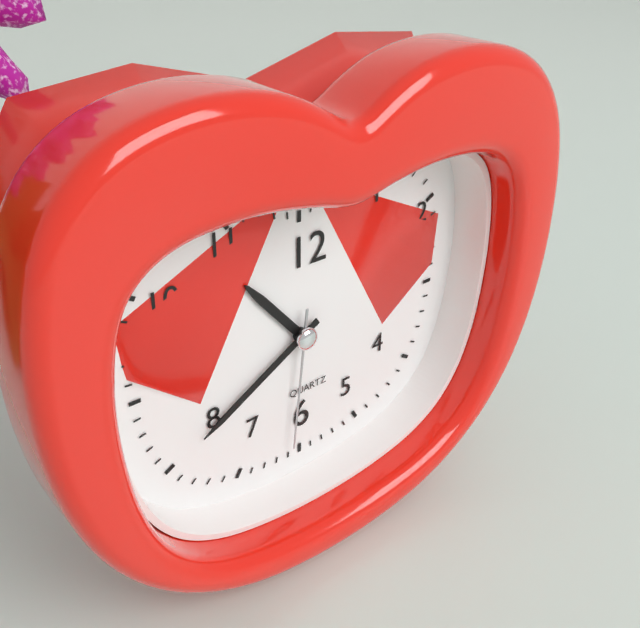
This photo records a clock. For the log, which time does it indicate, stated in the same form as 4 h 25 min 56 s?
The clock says 10 h 40 min 31 s
